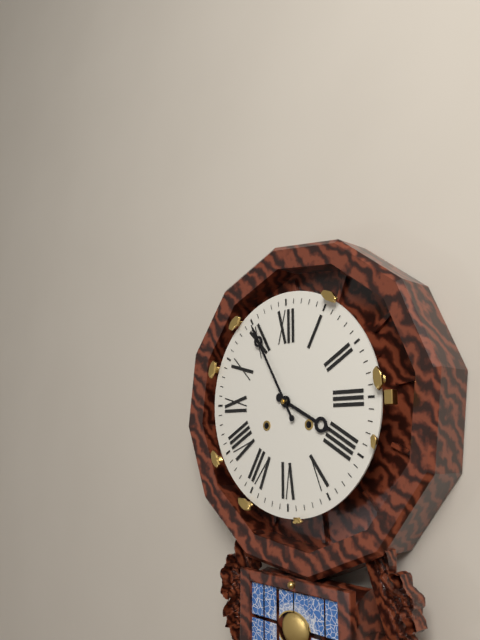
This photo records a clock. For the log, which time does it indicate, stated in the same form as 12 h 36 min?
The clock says 3 h 55 min
